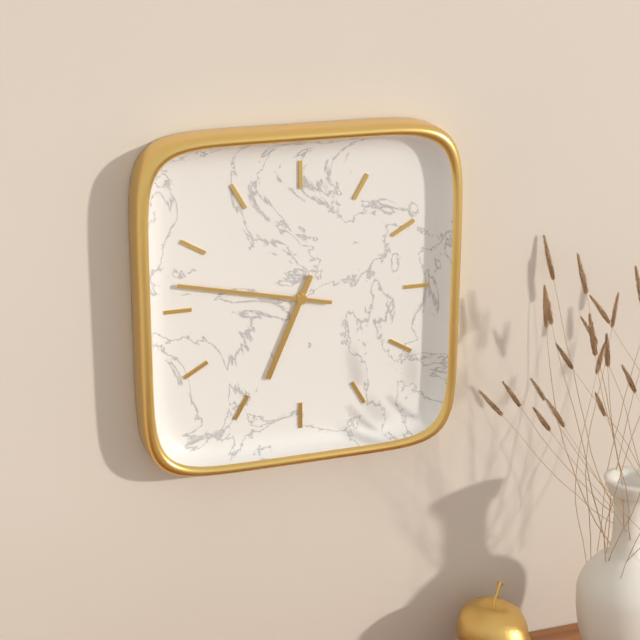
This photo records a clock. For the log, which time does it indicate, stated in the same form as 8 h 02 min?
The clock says 6 h 47 min
